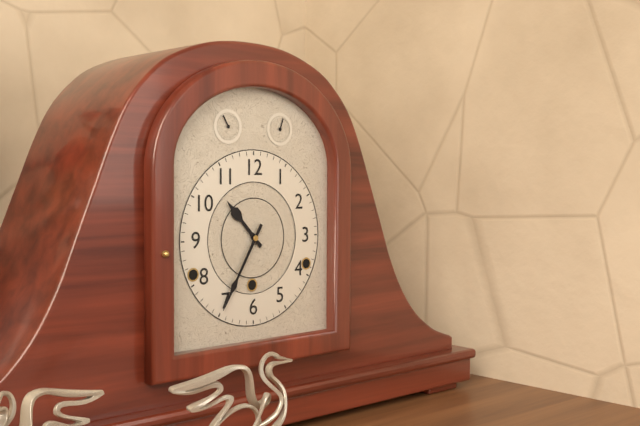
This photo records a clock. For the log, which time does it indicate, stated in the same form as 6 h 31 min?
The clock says 10 h 35 min
